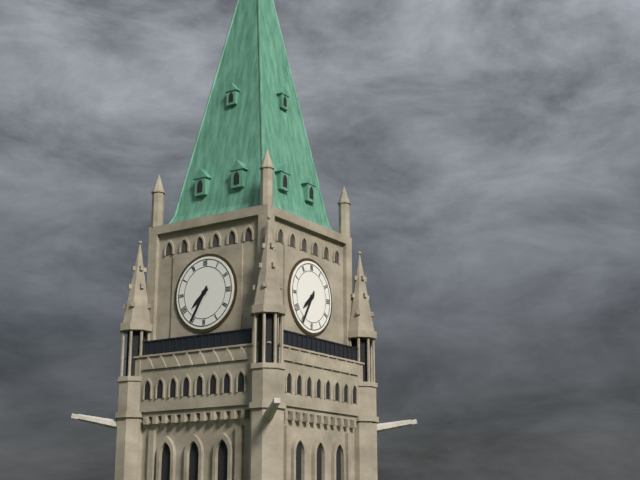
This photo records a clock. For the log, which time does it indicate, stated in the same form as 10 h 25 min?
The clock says 7 h 35 min
